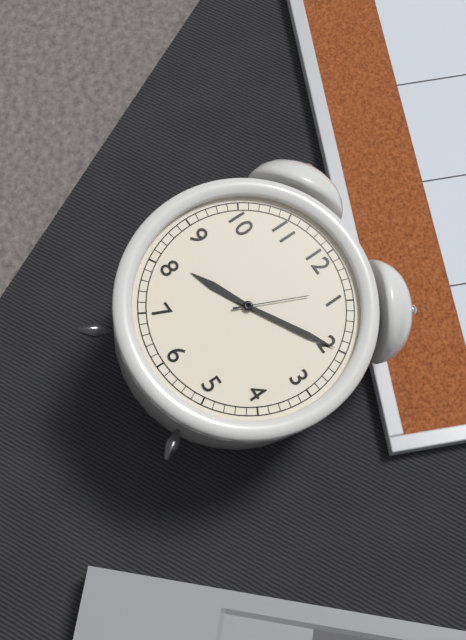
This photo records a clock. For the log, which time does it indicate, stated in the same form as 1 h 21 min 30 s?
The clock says 8 h 10 min 04 s
